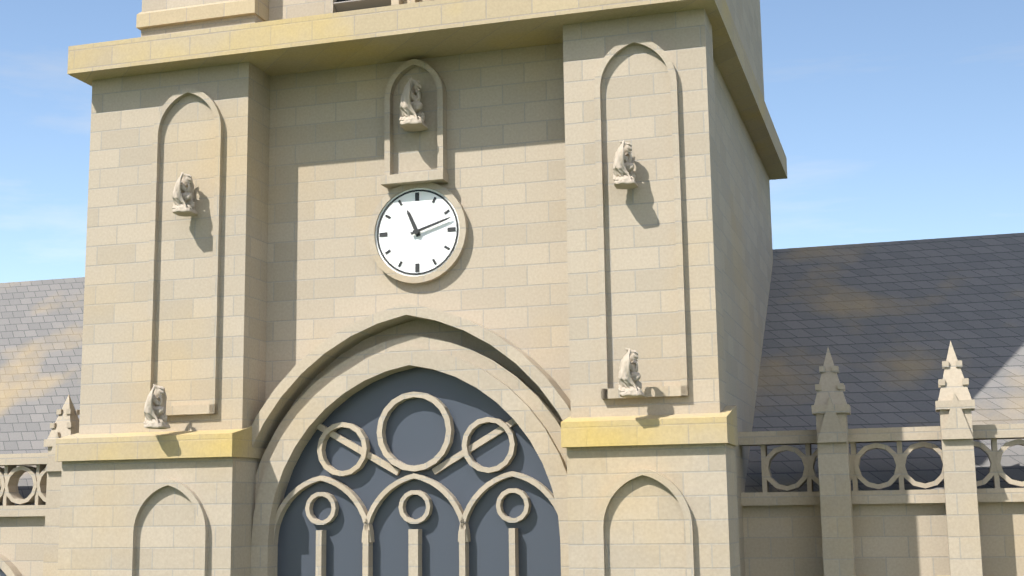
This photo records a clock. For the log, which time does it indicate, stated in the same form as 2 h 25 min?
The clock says 11 h 12 min
